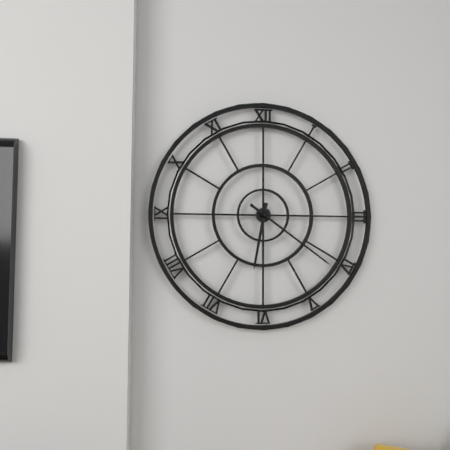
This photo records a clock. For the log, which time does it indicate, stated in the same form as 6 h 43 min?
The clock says 6 h 21 min
